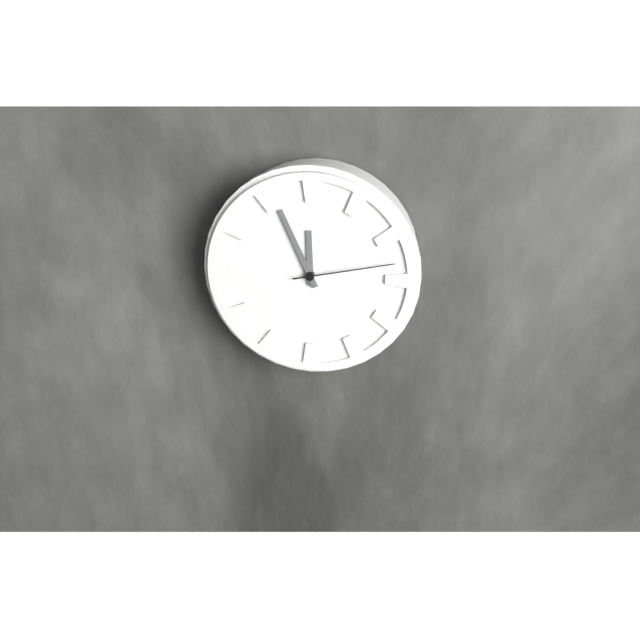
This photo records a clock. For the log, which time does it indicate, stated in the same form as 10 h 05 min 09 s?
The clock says 11 h 56 min 13 s
